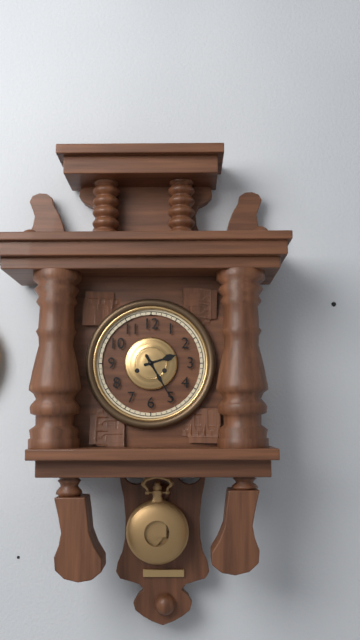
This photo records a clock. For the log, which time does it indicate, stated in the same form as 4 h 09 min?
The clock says 2 h 25 min
